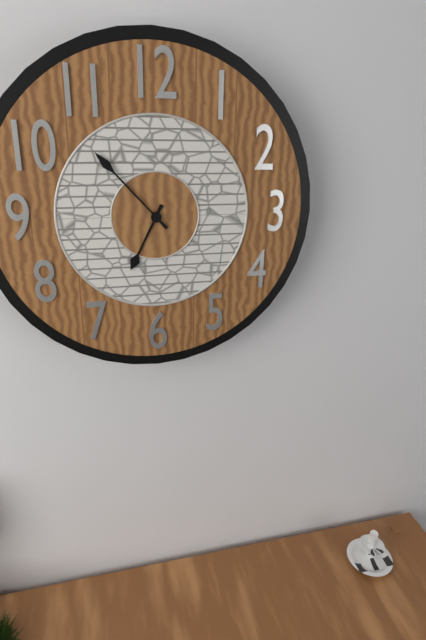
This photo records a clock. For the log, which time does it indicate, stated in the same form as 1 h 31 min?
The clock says 6 h 53 min
